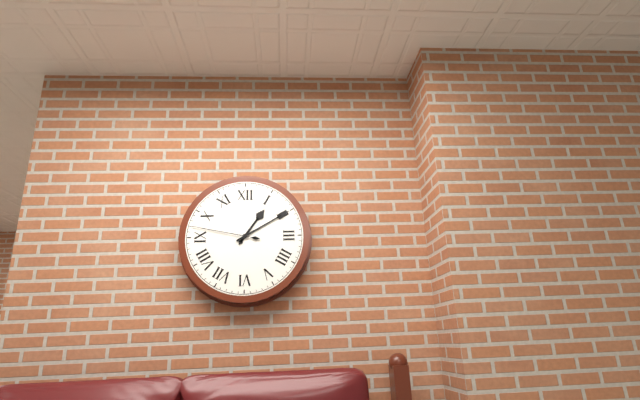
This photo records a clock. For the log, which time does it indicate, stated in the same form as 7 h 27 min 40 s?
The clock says 1 h 10 min 47 s
